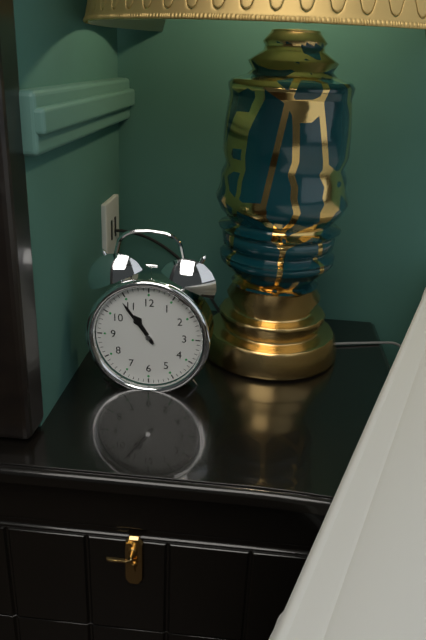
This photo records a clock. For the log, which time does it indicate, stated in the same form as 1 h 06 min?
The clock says 10 h 54 min
